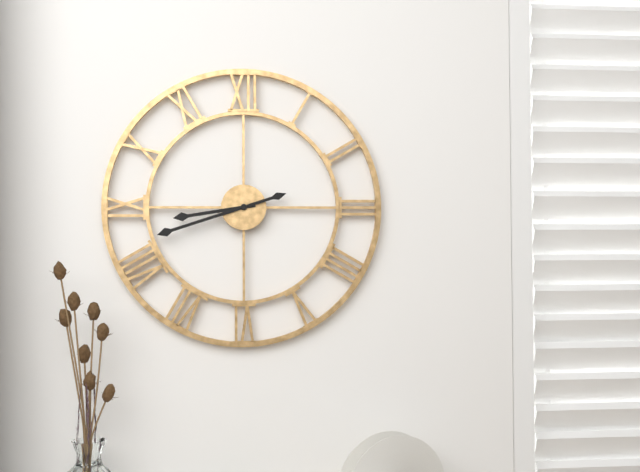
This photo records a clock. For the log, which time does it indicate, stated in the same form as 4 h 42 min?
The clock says 8 h 42 min
